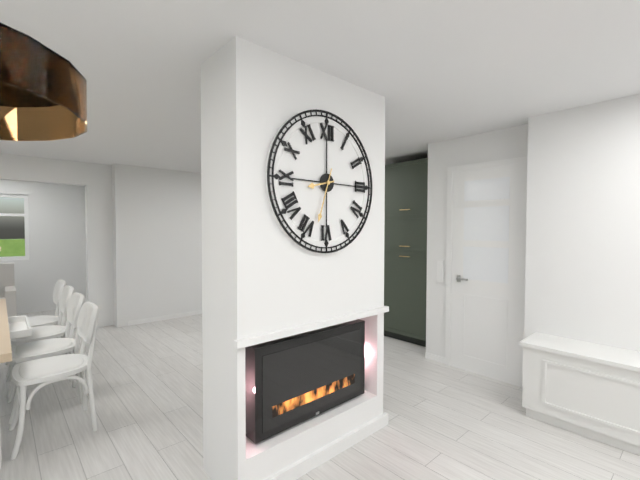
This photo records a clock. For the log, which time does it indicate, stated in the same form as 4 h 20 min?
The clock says 8 h 33 min
